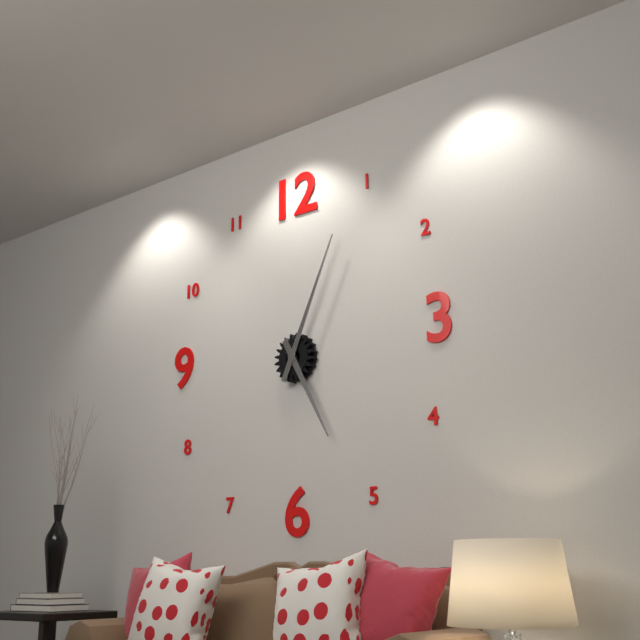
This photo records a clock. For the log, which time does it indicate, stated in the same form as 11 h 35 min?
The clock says 5 h 04 min
